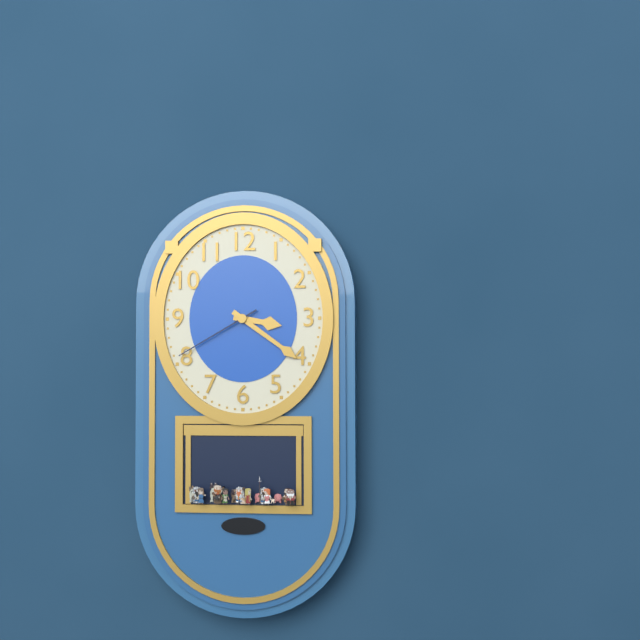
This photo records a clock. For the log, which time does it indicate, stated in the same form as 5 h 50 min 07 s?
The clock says 3 h 21 min 40 s
